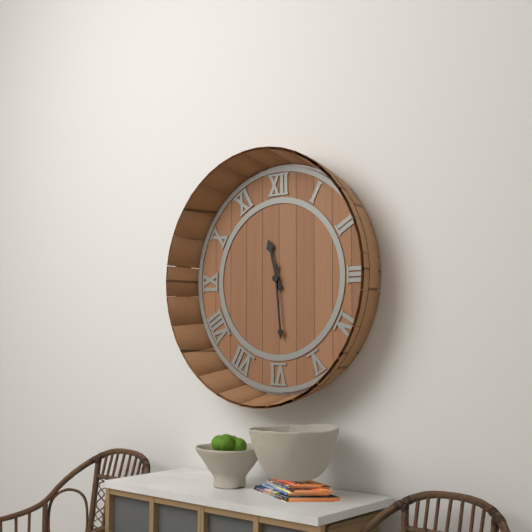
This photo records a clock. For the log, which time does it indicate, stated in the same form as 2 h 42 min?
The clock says 11 h 29 min
